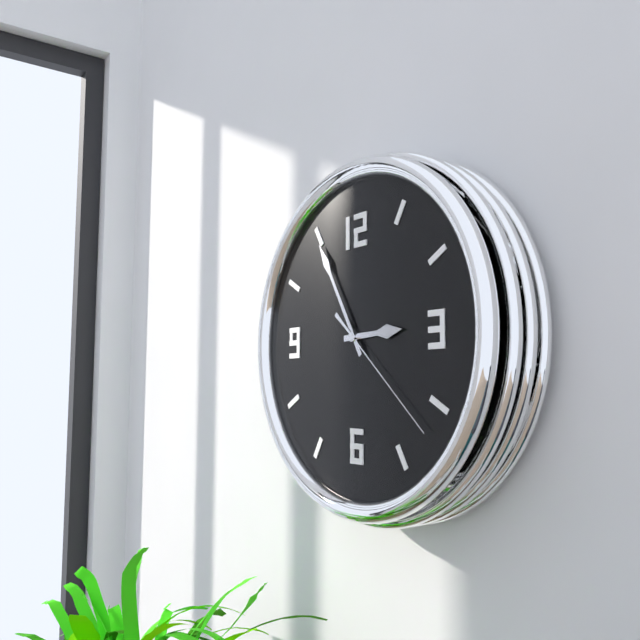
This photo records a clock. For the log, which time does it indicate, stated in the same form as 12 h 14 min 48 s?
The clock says 2 h 55 min 22 s
